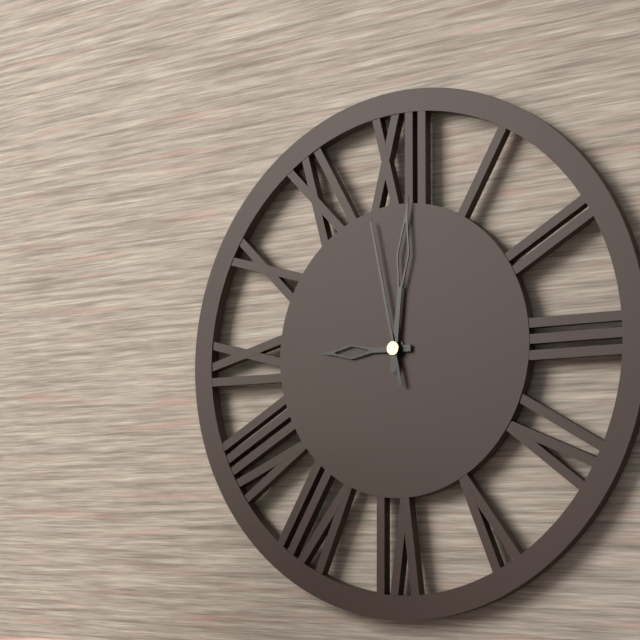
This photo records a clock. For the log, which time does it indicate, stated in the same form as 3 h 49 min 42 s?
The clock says 9 h 01 min 58 s
